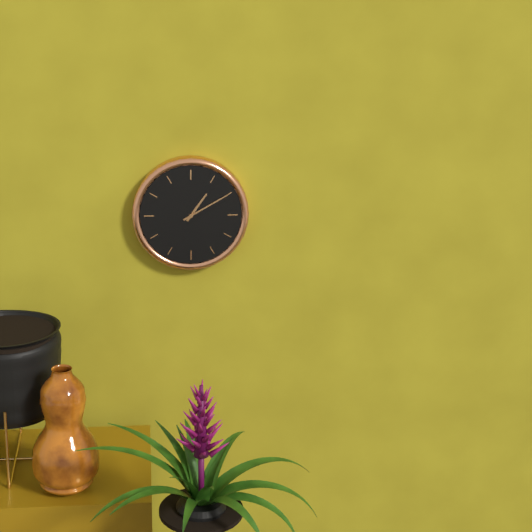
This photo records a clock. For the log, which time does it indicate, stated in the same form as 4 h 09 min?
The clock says 1 h 10 min
